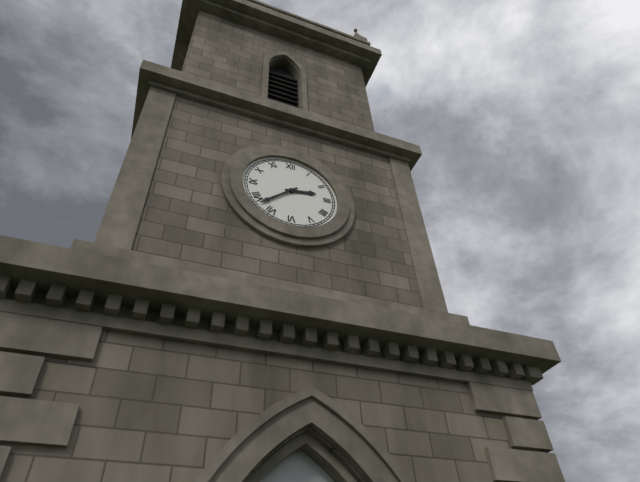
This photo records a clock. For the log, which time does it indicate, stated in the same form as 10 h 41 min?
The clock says 2 h 38 min
